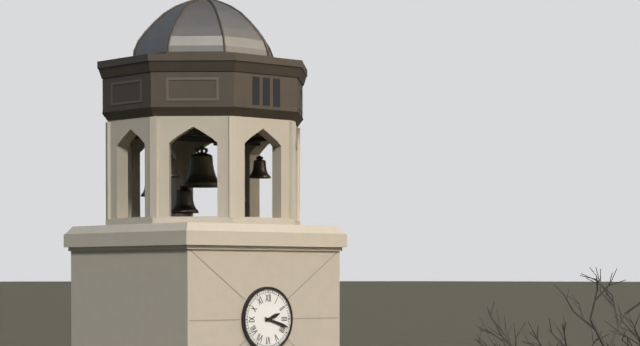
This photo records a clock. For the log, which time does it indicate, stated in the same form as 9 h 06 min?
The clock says 2 h 18 min
